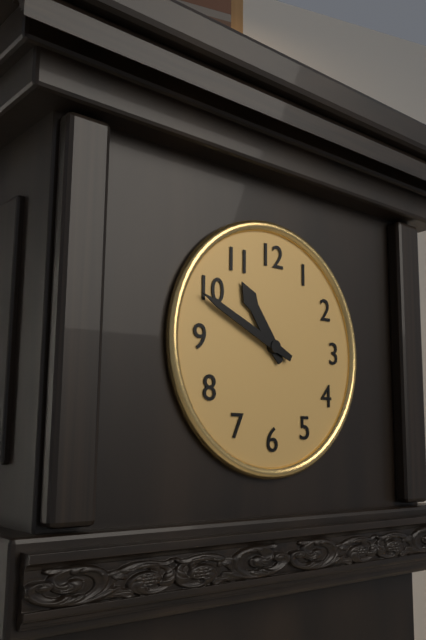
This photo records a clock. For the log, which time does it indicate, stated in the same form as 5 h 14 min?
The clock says 10 h 49 min
